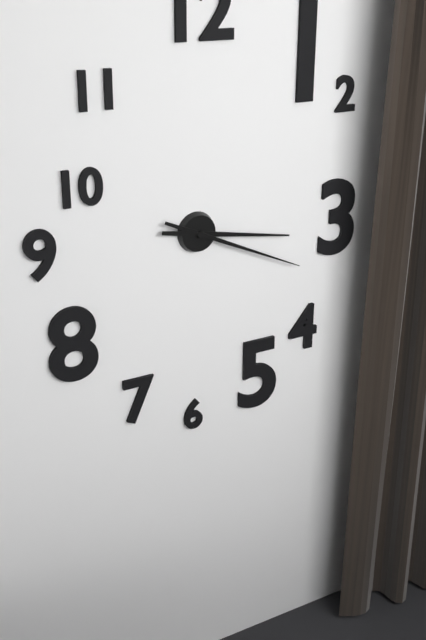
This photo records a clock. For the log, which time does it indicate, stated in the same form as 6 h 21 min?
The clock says 3 h 19 min
